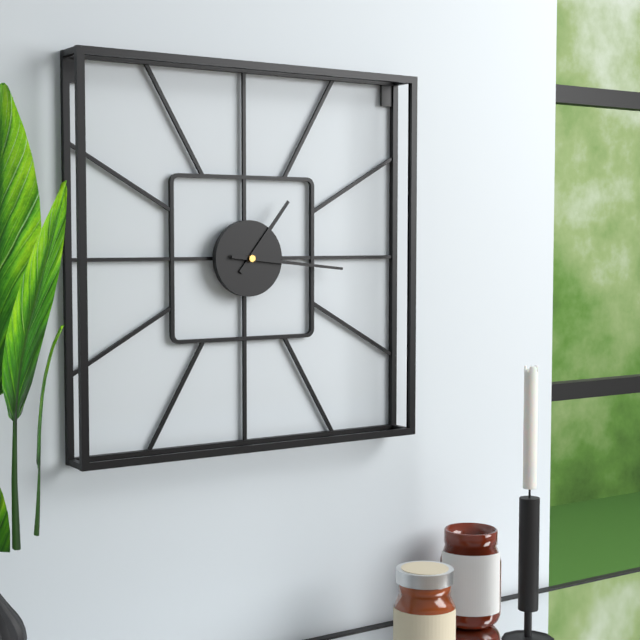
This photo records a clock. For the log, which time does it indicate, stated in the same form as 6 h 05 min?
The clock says 1 h 16 min
